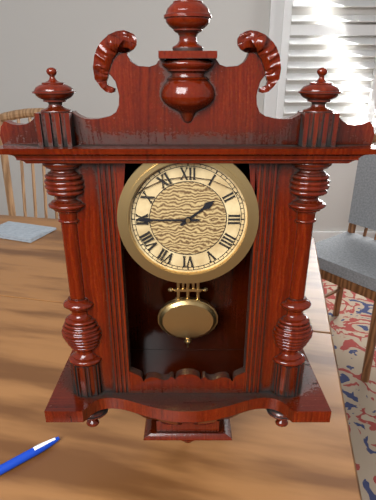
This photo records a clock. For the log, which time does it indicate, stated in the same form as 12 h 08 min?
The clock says 1 h 45 min
